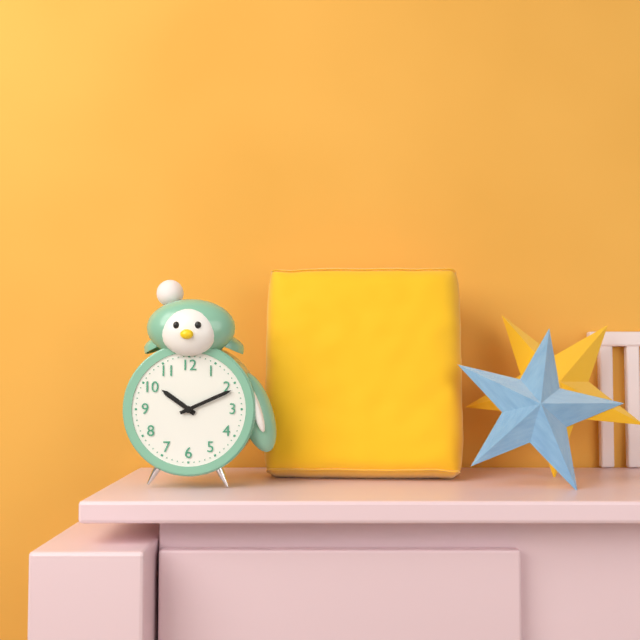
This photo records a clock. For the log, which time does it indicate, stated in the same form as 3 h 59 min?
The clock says 10 h 11 min
